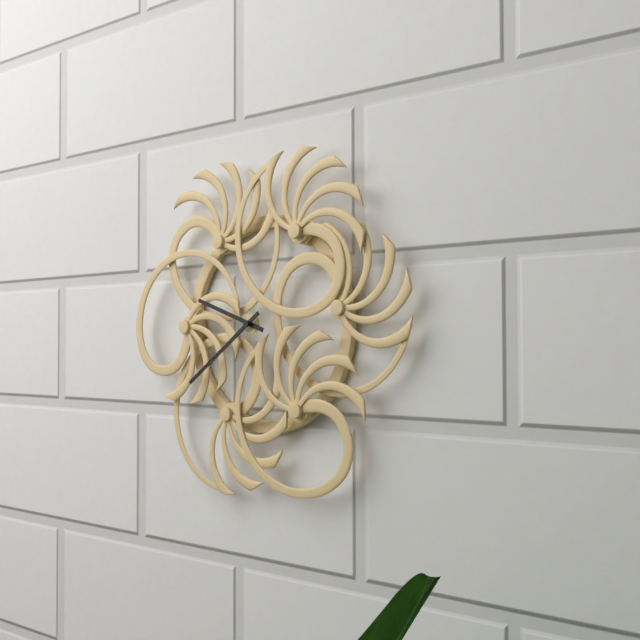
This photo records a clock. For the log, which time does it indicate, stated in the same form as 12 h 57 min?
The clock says 9 h 39 min
